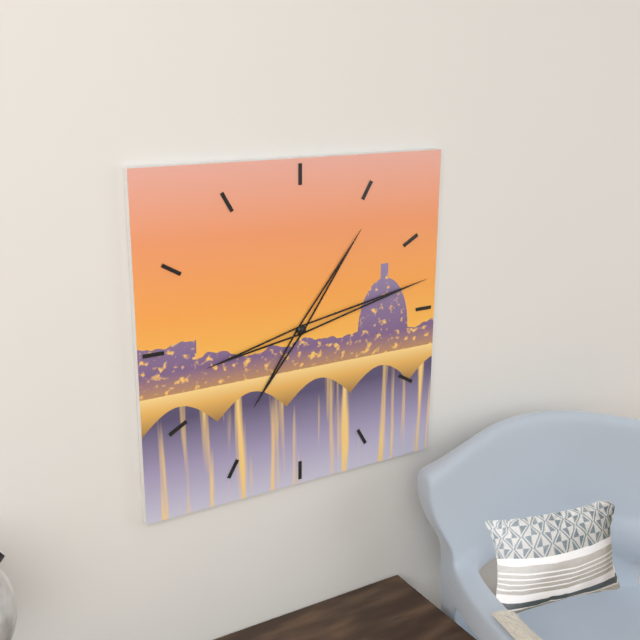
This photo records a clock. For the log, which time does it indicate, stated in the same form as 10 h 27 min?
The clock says 1 h 13 min
